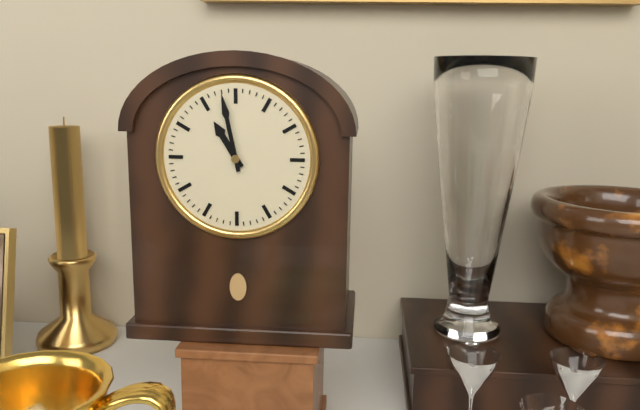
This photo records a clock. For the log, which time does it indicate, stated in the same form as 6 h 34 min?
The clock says 10 h 58 min
